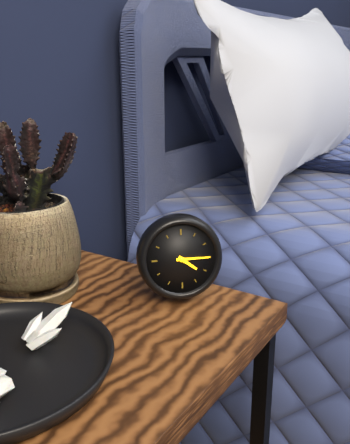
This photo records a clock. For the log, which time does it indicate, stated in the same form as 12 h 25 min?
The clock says 4 h 15 min
